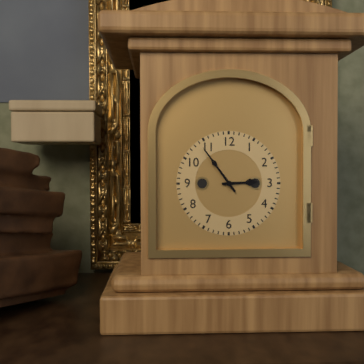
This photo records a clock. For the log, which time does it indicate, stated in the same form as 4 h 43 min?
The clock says 2 h 54 min
